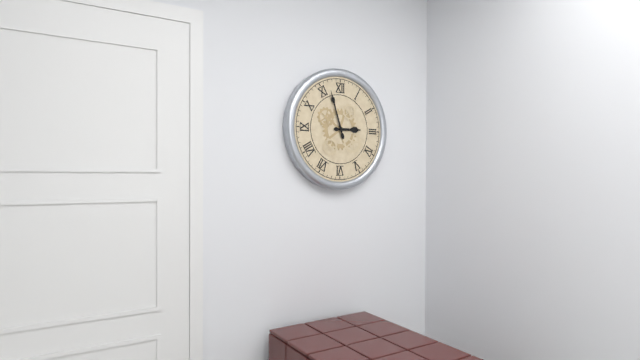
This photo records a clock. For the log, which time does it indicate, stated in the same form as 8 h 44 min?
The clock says 2 h 57 min
